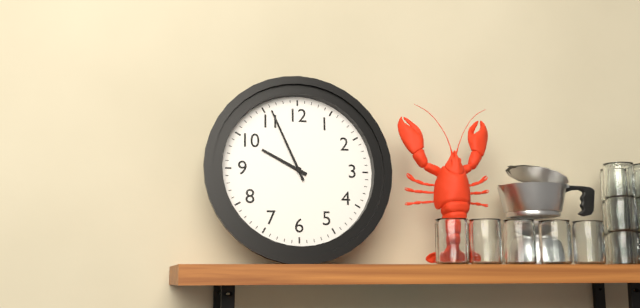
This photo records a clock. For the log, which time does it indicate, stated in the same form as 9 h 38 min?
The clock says 9 h 56 min
